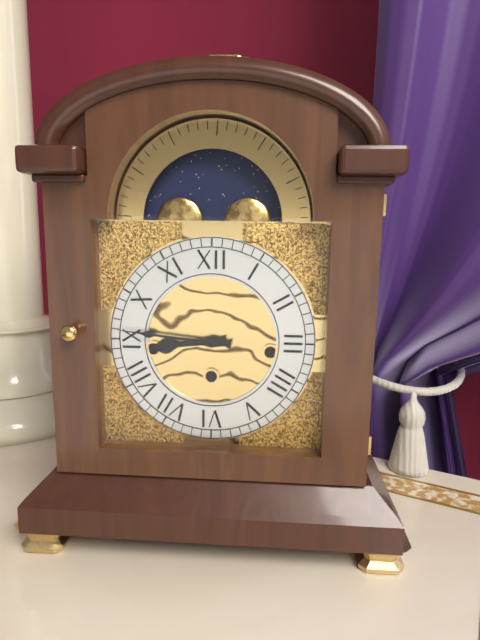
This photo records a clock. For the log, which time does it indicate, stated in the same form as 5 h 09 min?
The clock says 8 h 46 min
